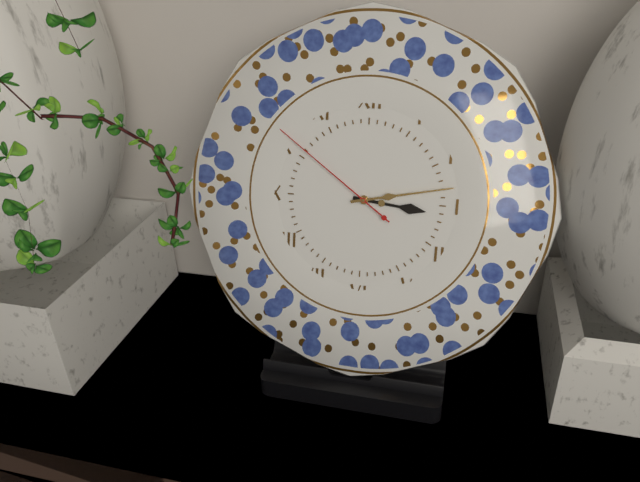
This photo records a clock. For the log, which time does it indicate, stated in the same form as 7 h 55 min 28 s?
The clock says 3 h 13 min 51 s
